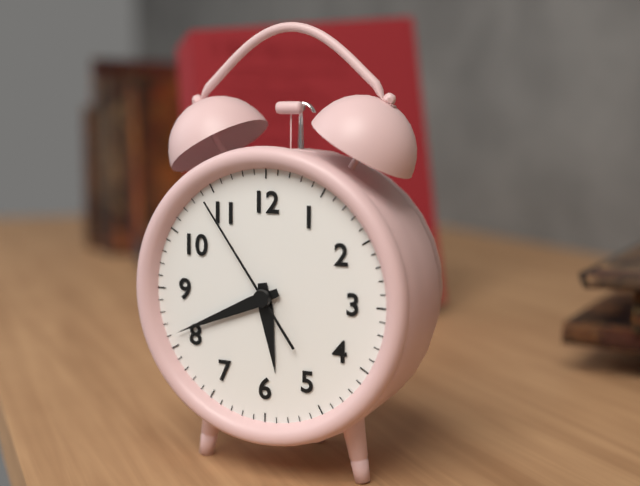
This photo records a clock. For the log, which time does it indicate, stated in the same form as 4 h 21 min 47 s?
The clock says 5 h 41 min 54 s
